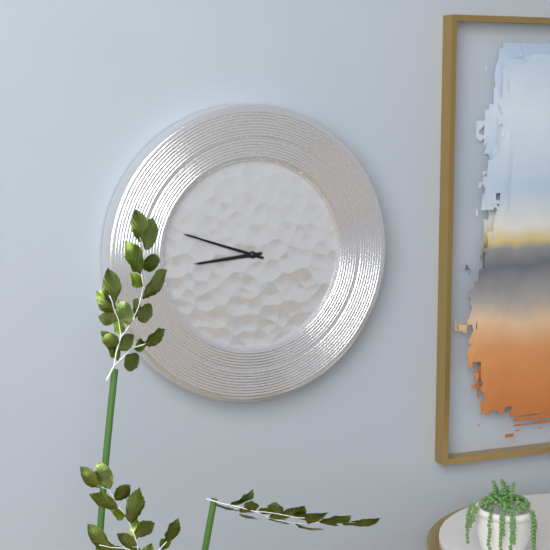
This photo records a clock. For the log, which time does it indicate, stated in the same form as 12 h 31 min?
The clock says 8 h 48 min
